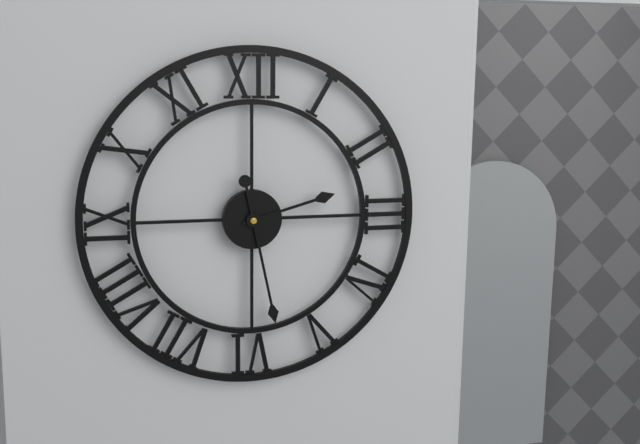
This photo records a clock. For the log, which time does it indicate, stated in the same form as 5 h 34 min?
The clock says 2 h 28 min
